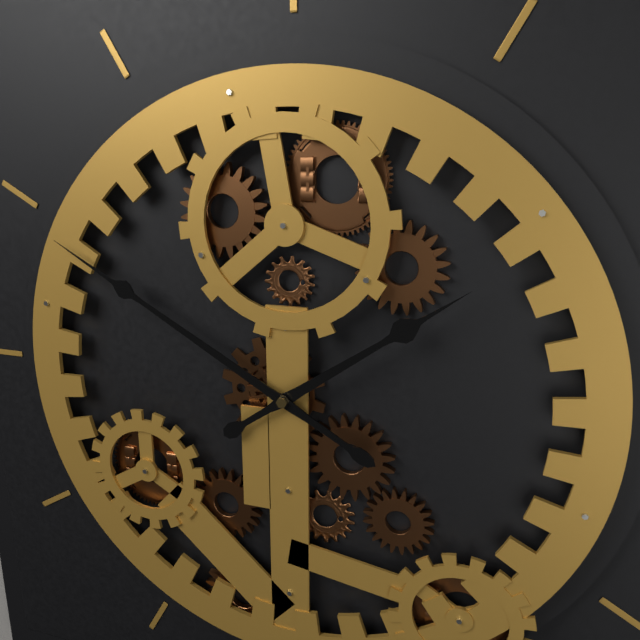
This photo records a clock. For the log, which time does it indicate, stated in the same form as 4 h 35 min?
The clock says 1 h 50 min
